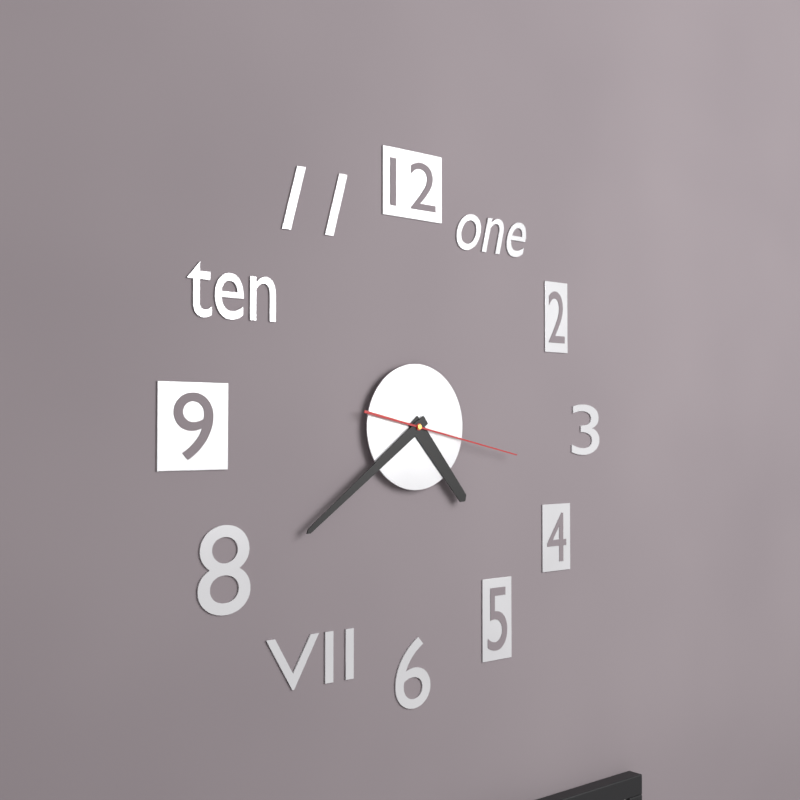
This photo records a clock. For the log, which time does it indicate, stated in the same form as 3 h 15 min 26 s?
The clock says 4 h 39 min 17 s
